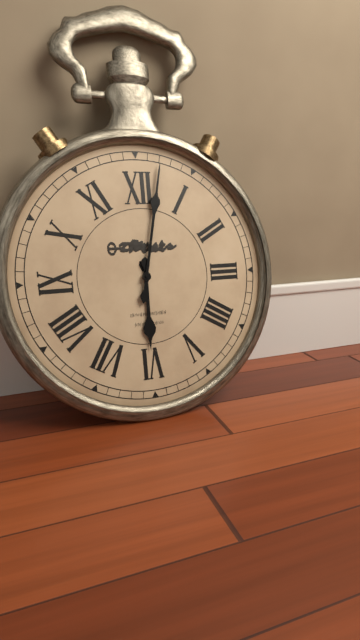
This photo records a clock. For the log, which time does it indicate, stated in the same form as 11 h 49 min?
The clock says 6 h 02 min
